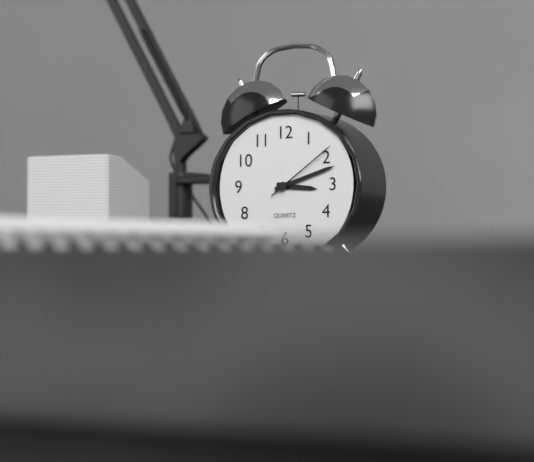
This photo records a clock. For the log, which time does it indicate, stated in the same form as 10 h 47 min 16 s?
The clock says 3 h 12 min 09 s
